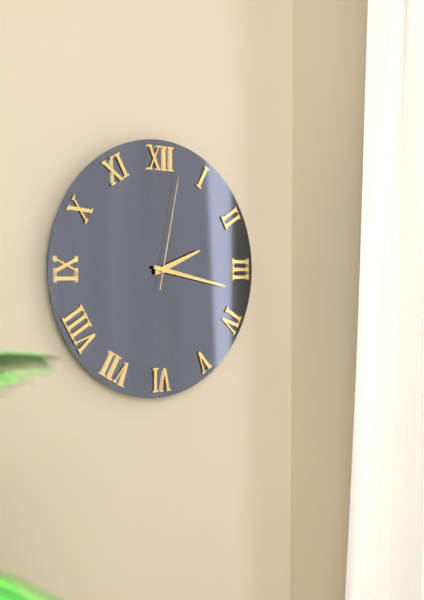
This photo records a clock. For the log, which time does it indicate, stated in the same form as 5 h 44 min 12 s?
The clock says 2 h 17 min 02 s
